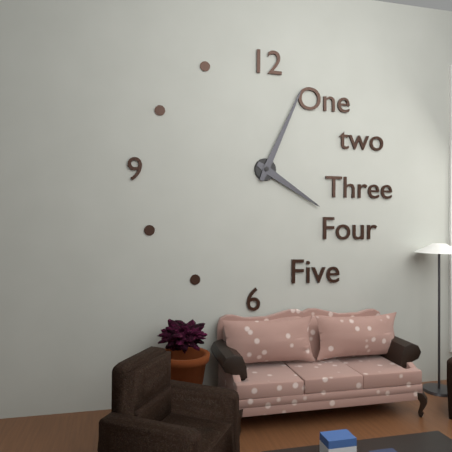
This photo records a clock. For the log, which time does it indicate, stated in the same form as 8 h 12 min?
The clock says 4 h 04 min
